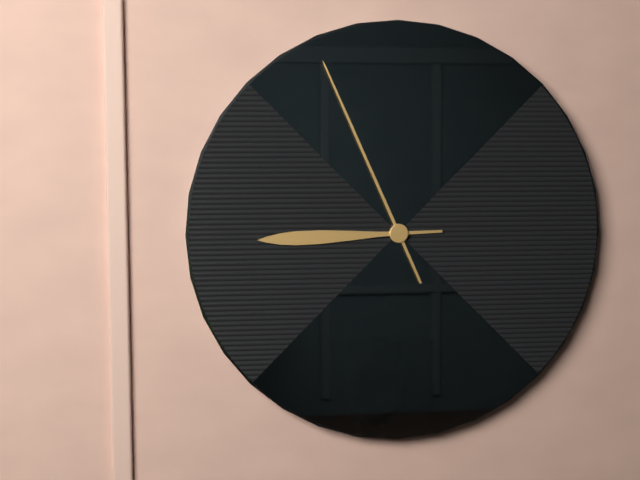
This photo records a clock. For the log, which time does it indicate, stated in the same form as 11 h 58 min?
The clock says 8 h 56 min
